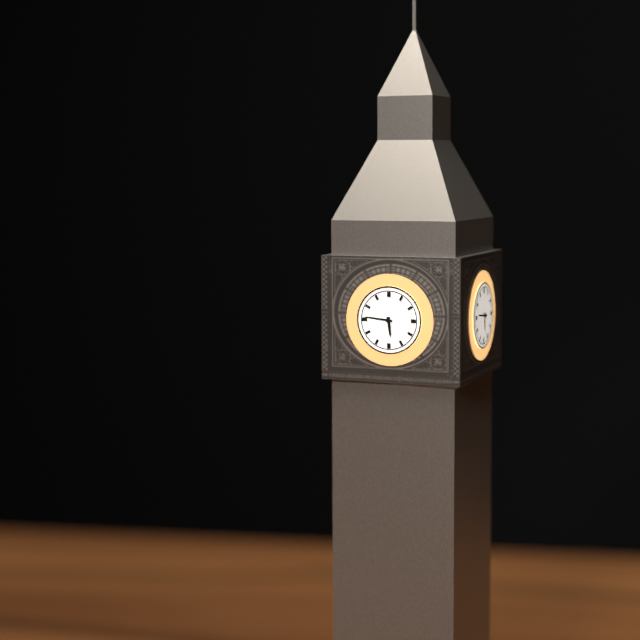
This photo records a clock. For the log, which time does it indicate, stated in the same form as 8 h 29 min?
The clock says 5 h 46 min
